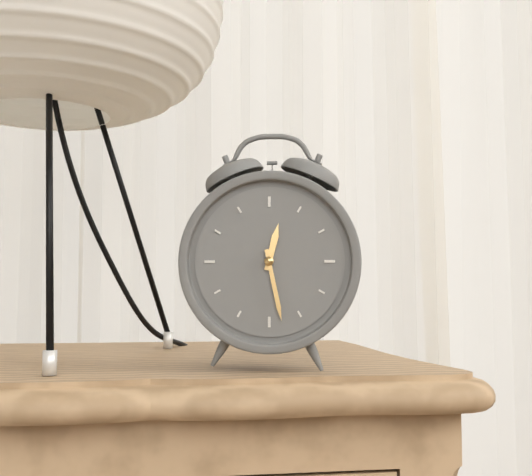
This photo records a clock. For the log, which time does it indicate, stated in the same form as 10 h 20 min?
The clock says 12 h 28 min
